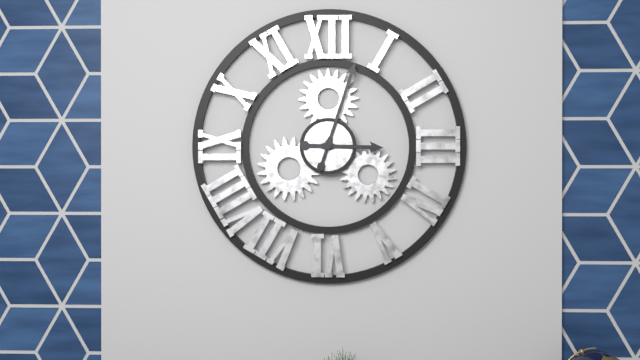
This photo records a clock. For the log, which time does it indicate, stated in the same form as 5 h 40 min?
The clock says 3 h 03 min
